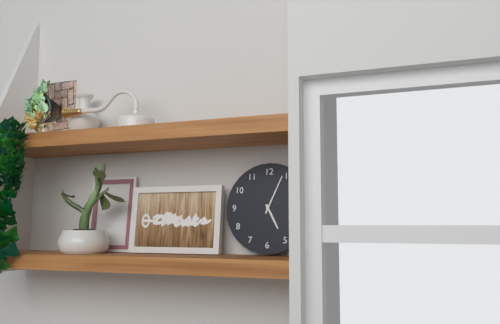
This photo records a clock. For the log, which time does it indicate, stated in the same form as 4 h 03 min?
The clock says 5 h 04 min
